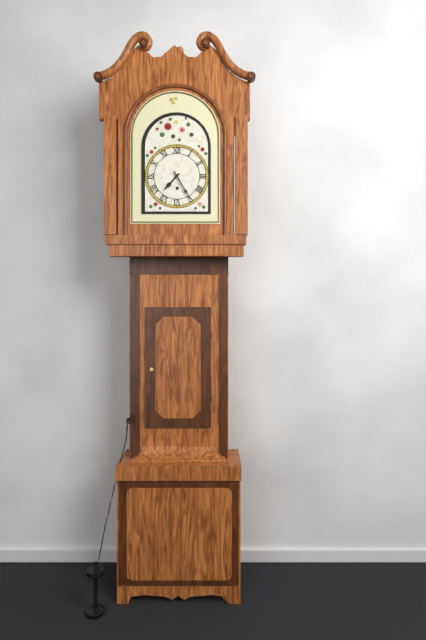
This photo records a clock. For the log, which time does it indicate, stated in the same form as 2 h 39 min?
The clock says 7 h 25 min
